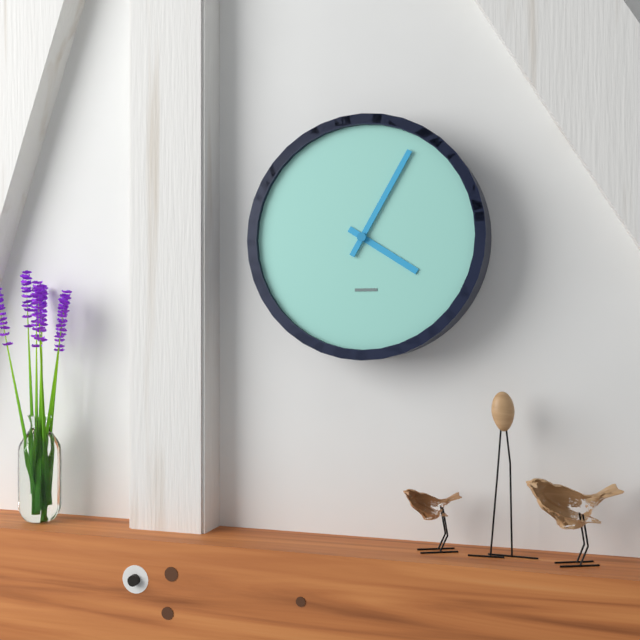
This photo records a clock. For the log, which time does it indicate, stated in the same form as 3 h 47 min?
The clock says 4 h 05 min
